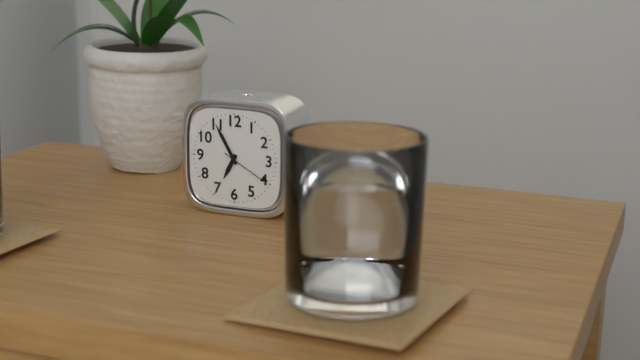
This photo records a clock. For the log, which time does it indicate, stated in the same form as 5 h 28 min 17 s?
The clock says 6 h 55 min 20 s
